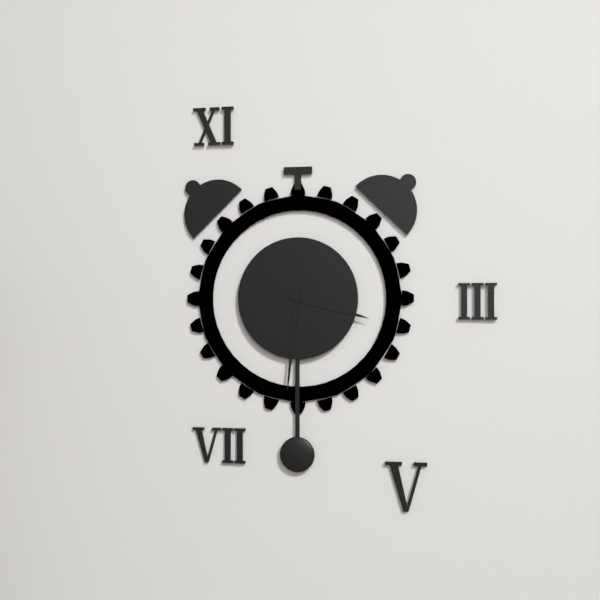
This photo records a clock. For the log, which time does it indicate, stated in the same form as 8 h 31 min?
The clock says 3 h 31 min
